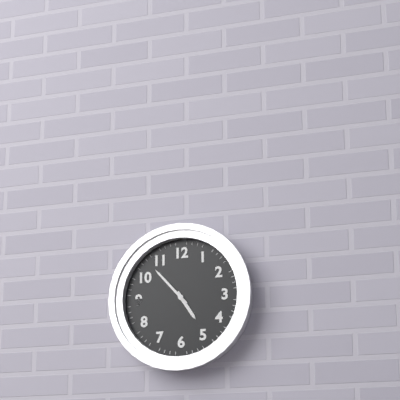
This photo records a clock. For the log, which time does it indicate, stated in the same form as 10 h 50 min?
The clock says 4 h 53 min
